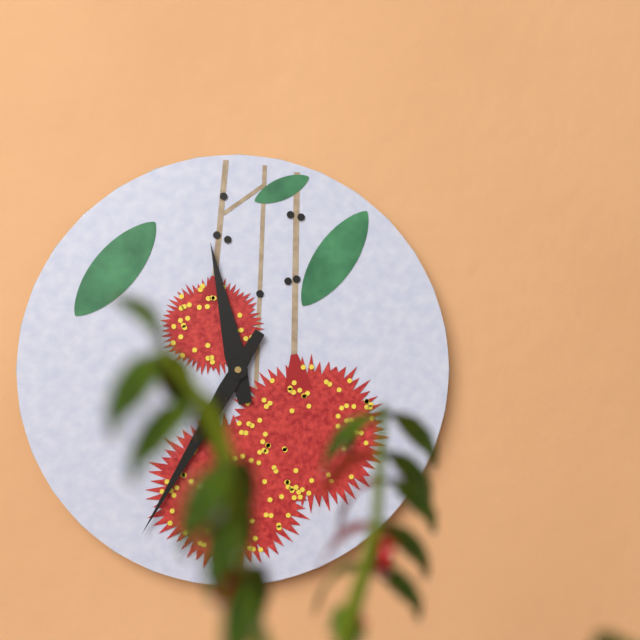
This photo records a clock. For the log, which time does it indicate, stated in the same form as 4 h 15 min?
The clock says 11 h 35 min
